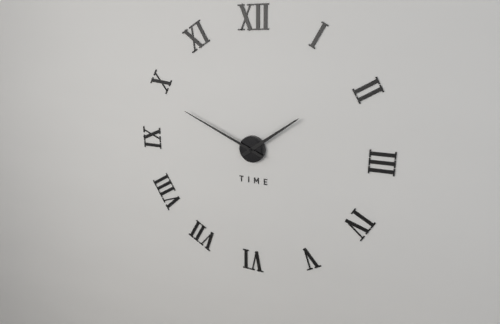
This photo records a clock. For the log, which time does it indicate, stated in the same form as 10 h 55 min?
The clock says 1 h 49 min
